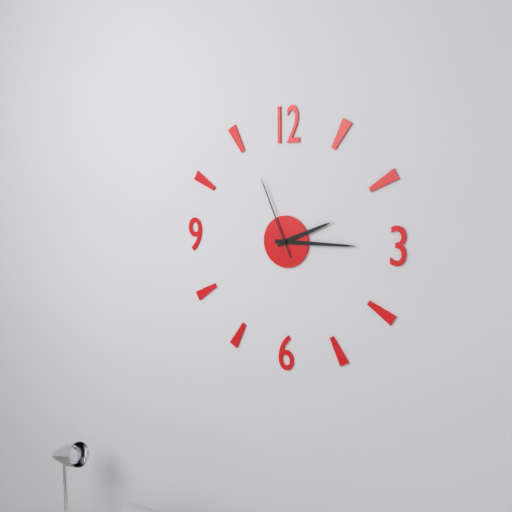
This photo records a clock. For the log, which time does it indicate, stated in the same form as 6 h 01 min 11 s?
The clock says 2 h 15 min 56 s
